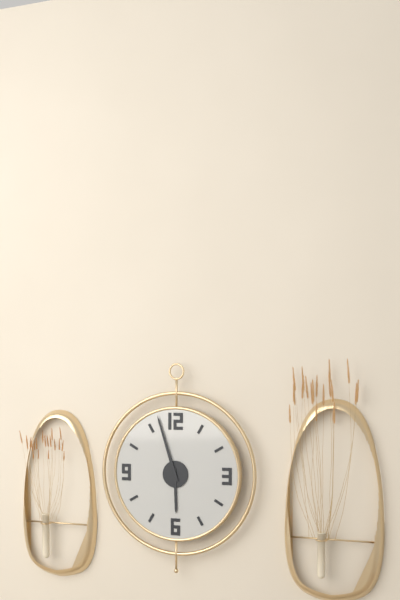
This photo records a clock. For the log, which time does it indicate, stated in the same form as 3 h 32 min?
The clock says 5 h 57 min
